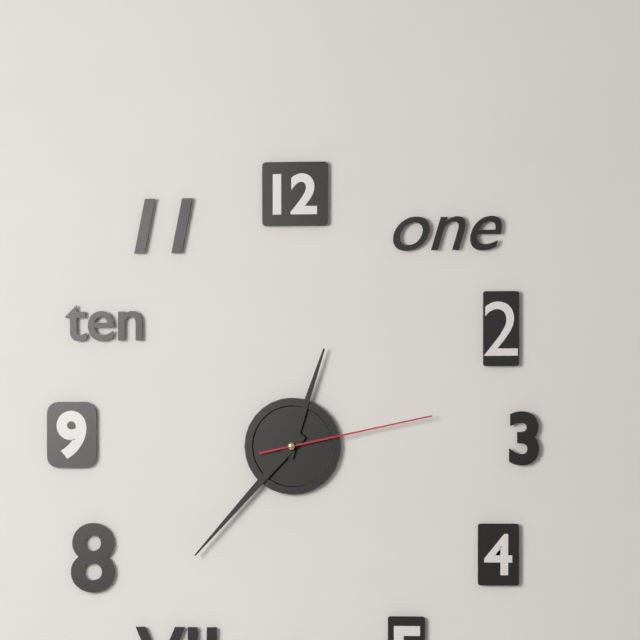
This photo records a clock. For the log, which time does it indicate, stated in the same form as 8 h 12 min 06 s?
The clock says 12 h 37 min 13 s
